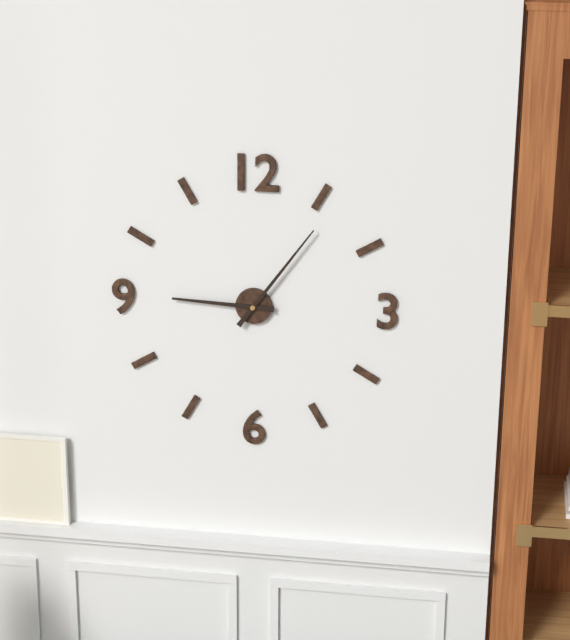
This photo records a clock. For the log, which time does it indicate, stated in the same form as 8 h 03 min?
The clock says 9 h 06 min
